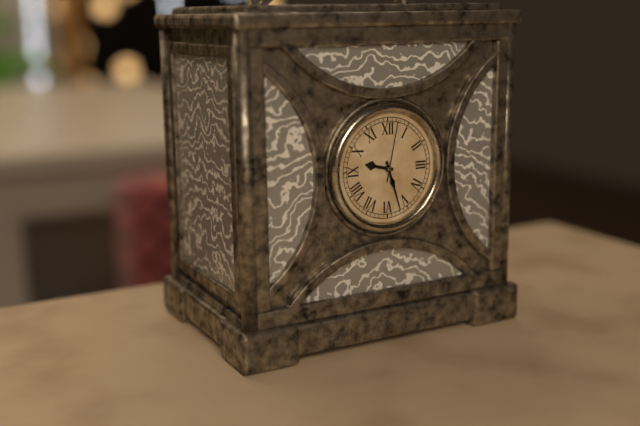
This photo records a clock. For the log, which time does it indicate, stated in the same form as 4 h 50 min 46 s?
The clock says 9 h 27 min 02 s
